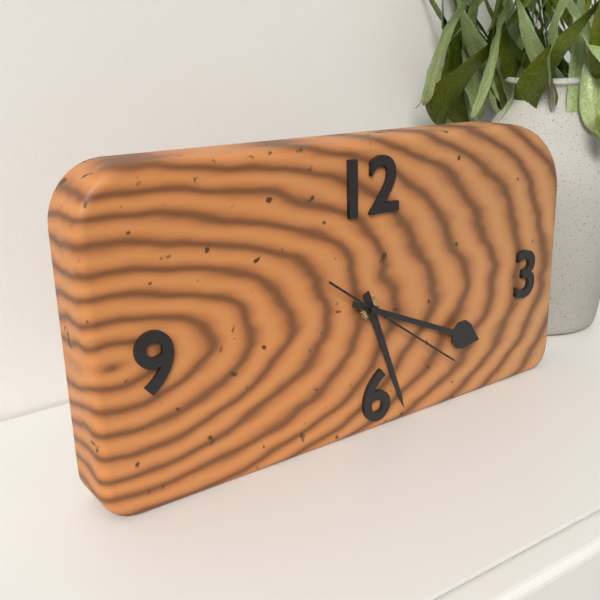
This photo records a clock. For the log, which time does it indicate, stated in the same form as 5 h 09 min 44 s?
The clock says 5 h 19 min 21 s
